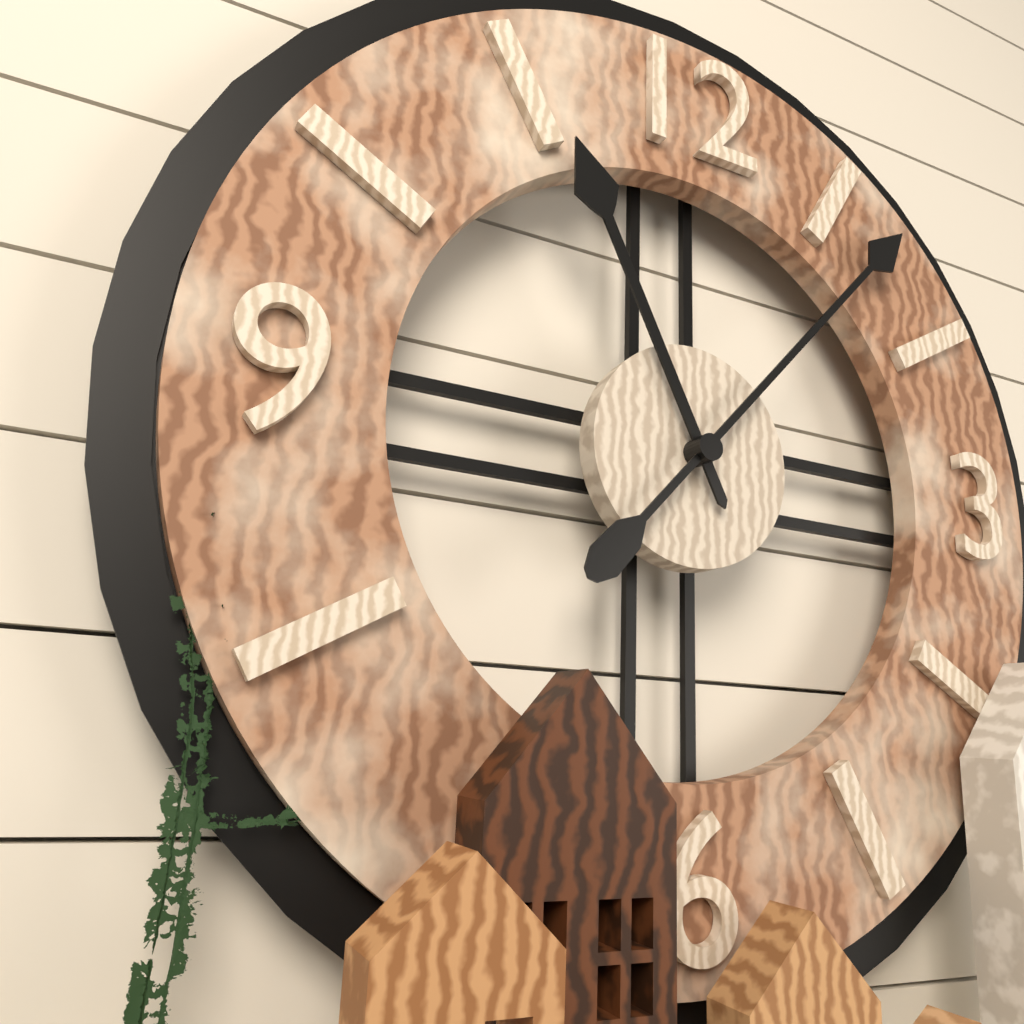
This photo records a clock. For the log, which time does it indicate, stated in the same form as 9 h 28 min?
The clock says 11 h 07 min
